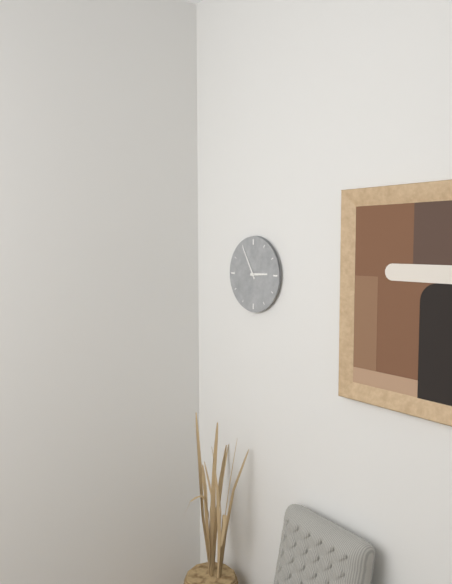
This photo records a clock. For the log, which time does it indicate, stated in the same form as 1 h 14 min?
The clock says 2 h 55 min
